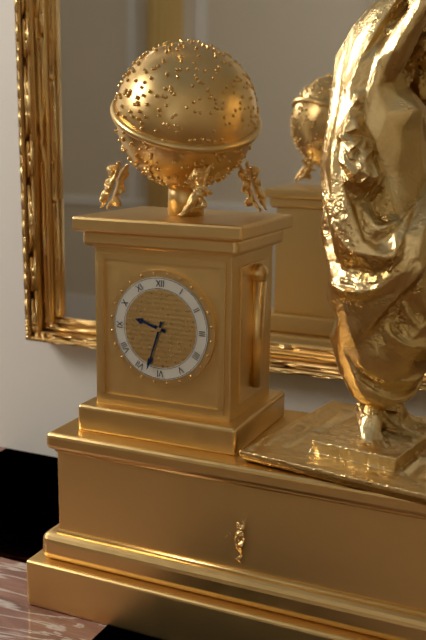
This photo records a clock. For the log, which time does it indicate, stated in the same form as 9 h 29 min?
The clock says 9 h 33 min
